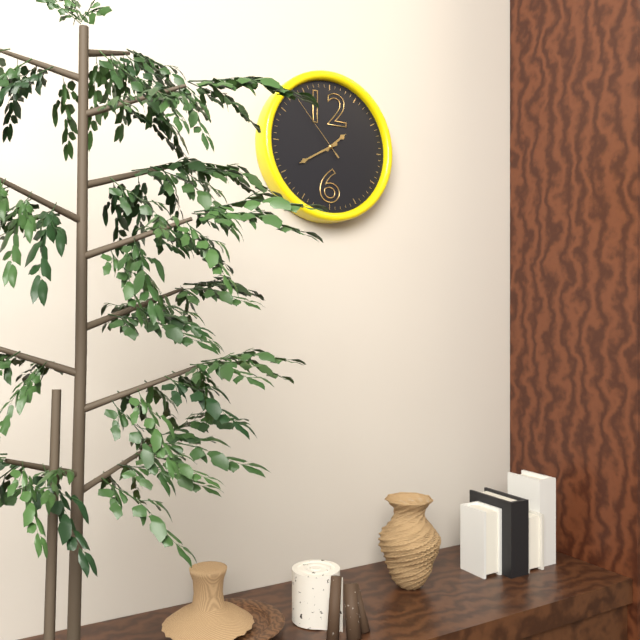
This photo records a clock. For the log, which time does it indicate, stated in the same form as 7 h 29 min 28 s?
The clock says 1 h 40 min 53 s
